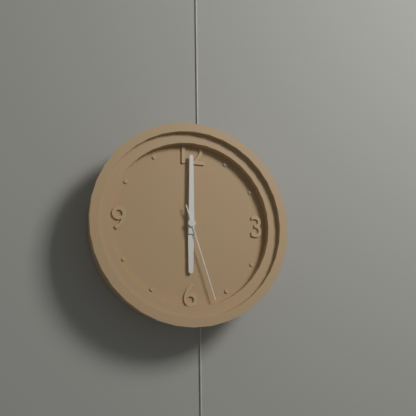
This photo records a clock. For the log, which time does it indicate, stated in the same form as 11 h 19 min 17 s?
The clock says 6 h 00 min 27 s
